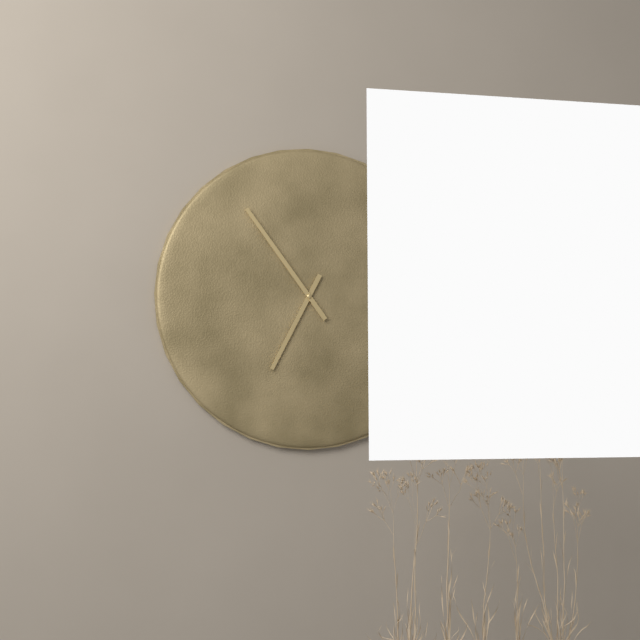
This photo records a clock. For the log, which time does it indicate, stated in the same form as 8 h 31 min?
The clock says 6 h 54 min
